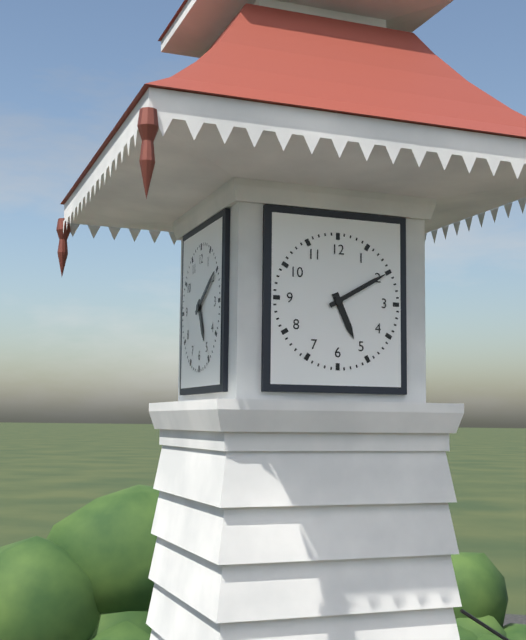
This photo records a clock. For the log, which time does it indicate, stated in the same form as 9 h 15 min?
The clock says 5 h 10 min
